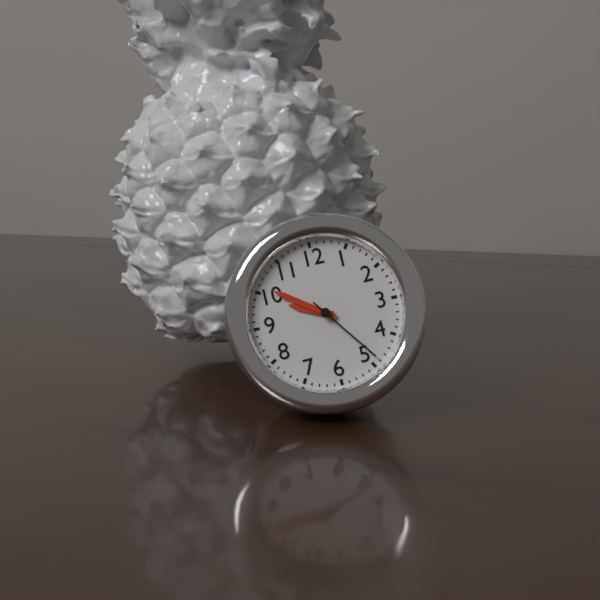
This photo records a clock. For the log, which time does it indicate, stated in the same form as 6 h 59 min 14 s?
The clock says 9 h 51 min 24 s
